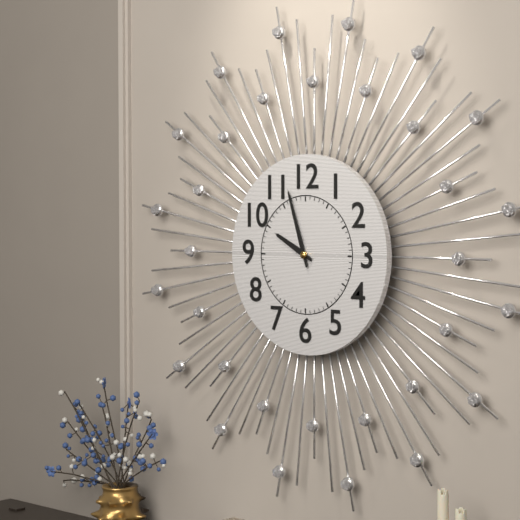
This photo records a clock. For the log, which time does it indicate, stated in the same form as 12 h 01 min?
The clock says 9 h 57 min
